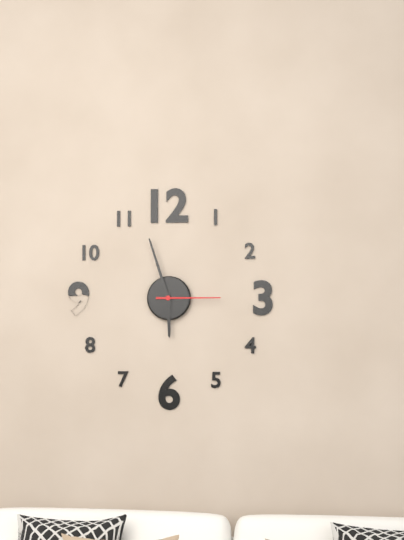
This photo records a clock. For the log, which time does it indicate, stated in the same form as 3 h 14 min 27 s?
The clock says 5 h 57 min 15 s
